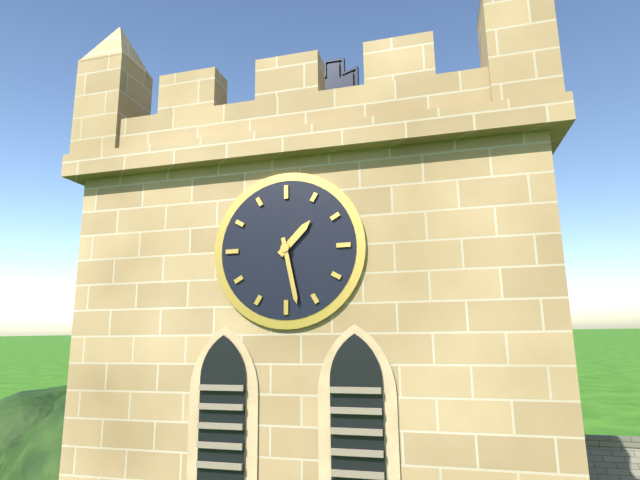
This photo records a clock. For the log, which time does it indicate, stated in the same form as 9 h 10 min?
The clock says 1 h 28 min
